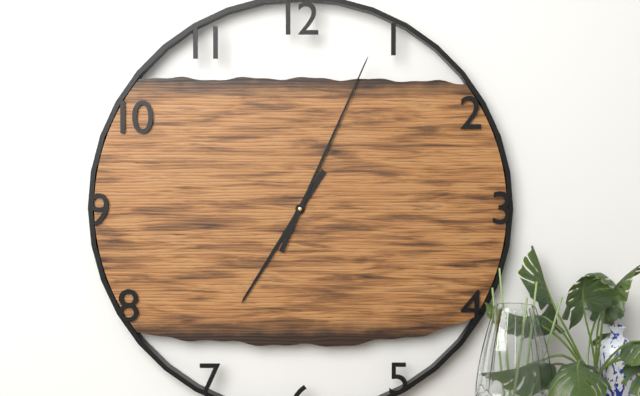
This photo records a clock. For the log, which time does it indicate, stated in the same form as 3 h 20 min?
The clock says 7 h 04 min
